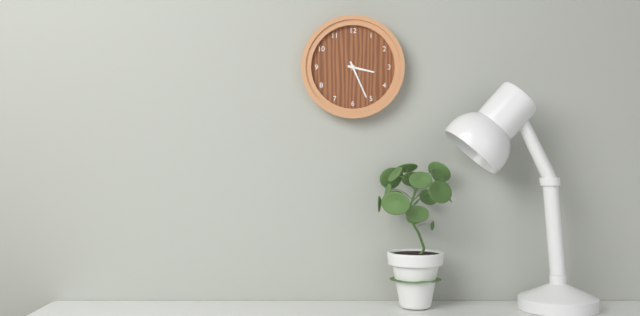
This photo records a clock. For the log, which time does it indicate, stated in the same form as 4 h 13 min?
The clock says 3 h 26 min
